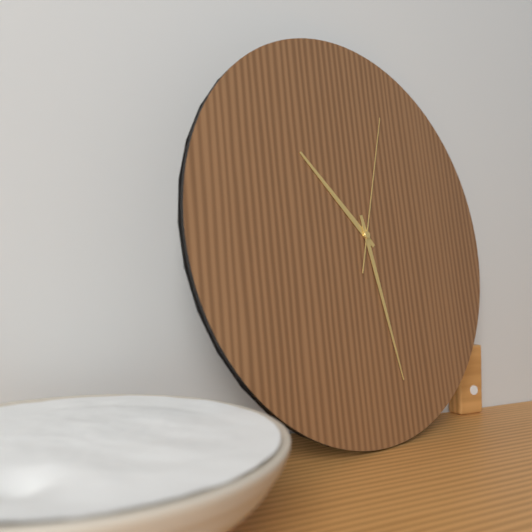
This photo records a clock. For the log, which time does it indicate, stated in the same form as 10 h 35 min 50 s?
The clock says 10 h 28 min 03 s
